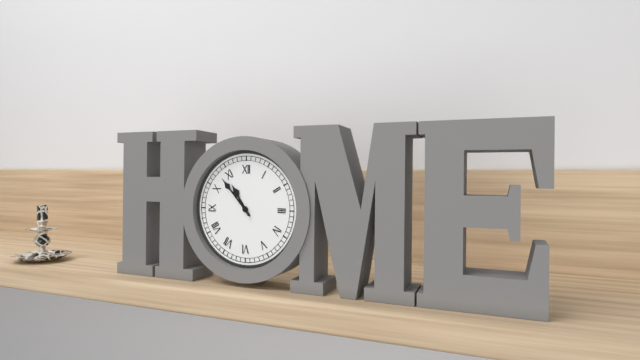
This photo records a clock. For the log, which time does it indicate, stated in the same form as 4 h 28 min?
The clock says 10 h 53 min
